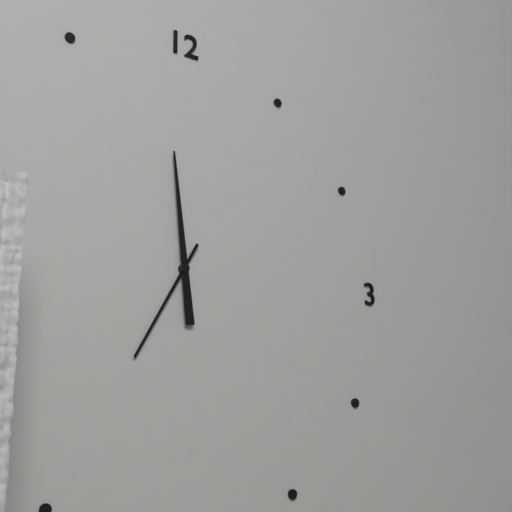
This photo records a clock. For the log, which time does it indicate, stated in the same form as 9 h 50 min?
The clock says 6 h 59 min
